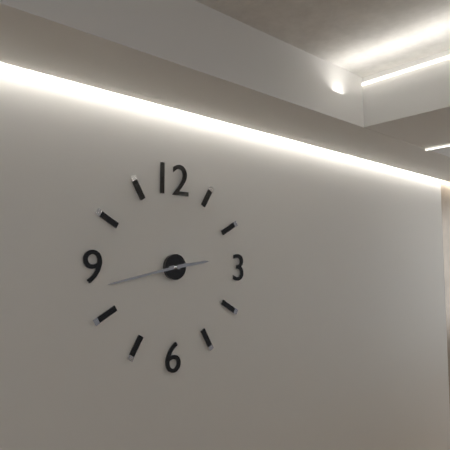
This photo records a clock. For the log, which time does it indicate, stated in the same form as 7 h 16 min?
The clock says 2 h 43 min
